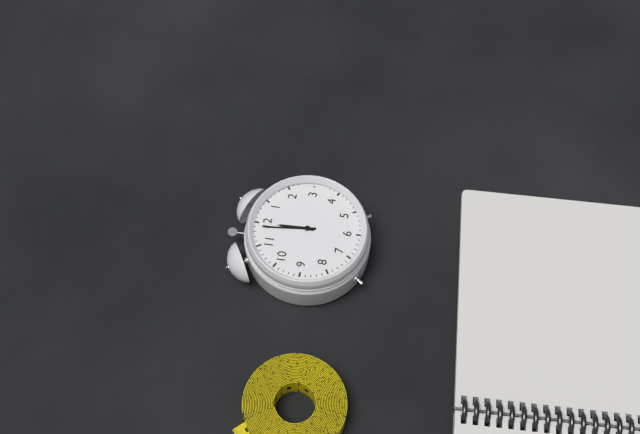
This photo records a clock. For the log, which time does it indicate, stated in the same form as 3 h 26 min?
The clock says 11 h 59 min
